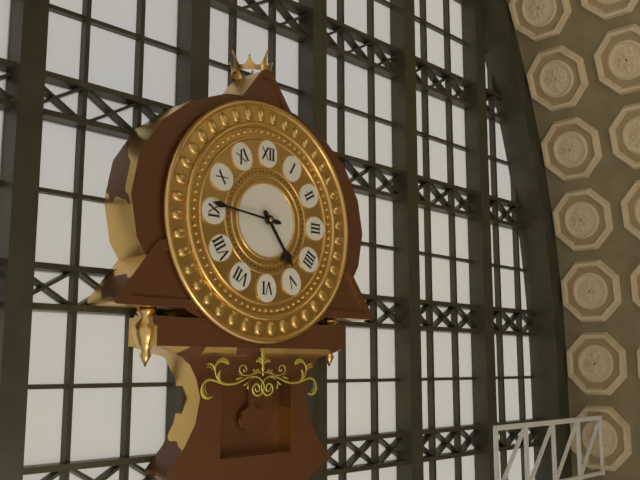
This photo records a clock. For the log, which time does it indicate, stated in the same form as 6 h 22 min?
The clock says 4 h 46 min
